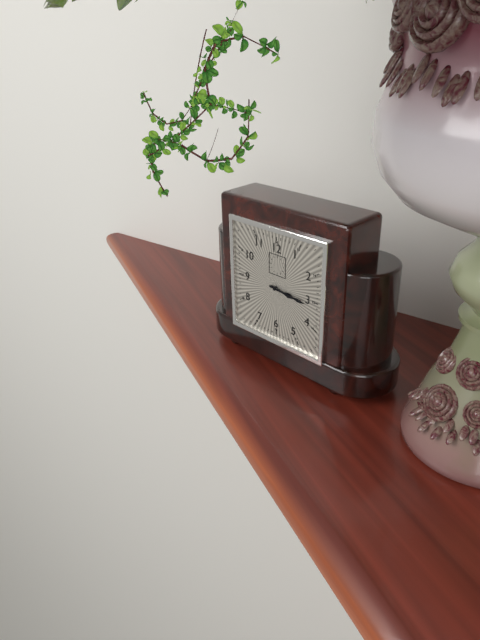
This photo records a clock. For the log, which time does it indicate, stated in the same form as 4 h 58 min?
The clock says 3 h 16 min
